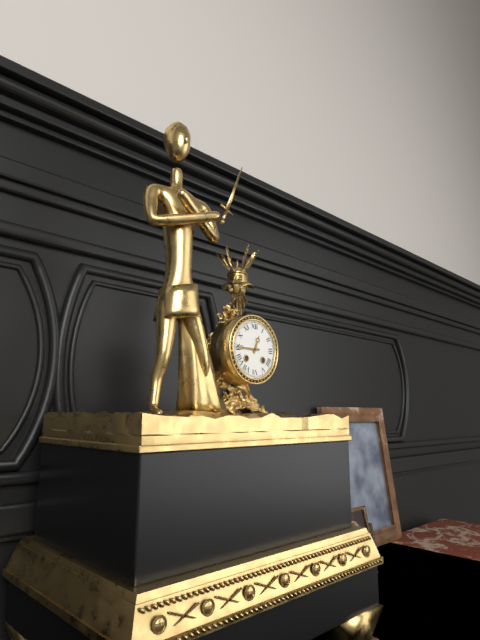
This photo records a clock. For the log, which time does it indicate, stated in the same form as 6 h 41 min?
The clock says 12 h 45 min
